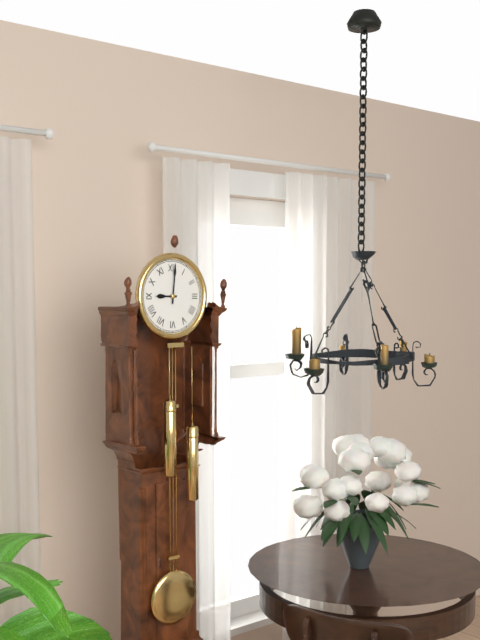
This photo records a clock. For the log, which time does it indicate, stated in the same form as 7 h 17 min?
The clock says 9 h 01 min
